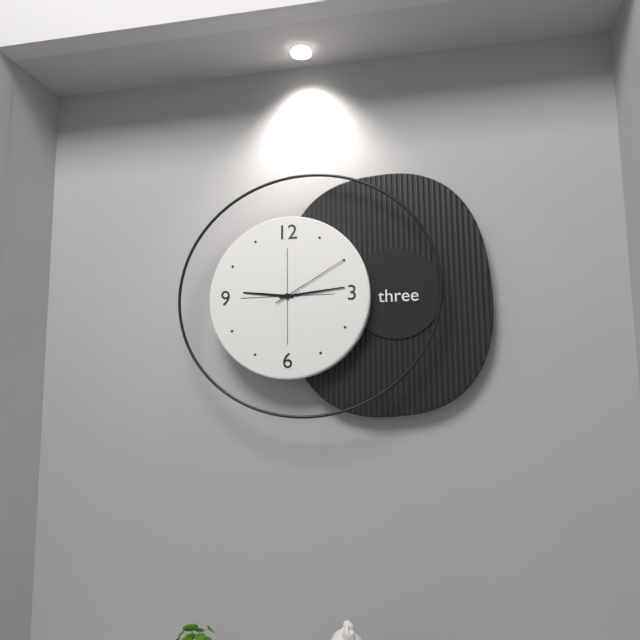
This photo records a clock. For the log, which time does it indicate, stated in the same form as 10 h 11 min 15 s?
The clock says 9 h 14 min 10 s
